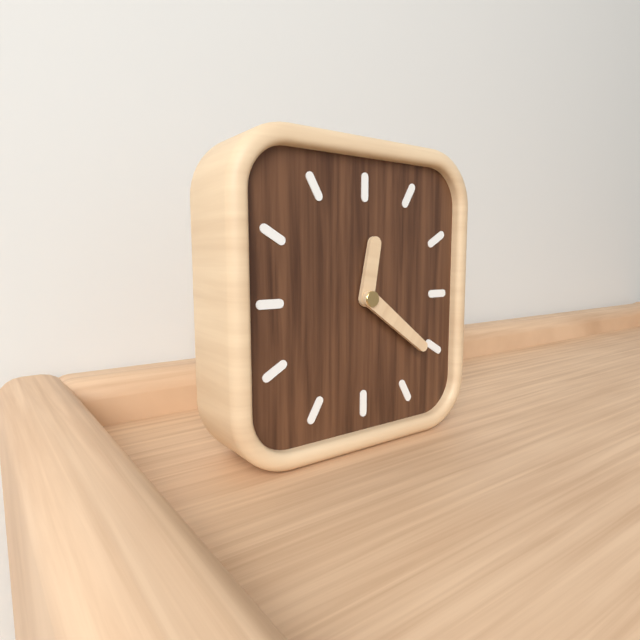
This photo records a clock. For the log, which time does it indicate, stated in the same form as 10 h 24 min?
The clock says 12 h 21 min
